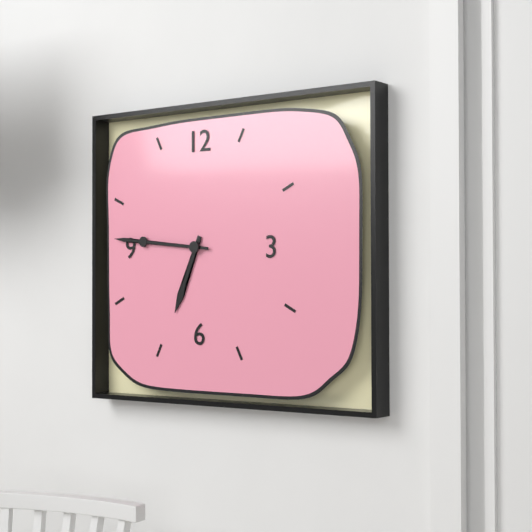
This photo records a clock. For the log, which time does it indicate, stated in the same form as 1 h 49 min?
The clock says 6 h 46 min
